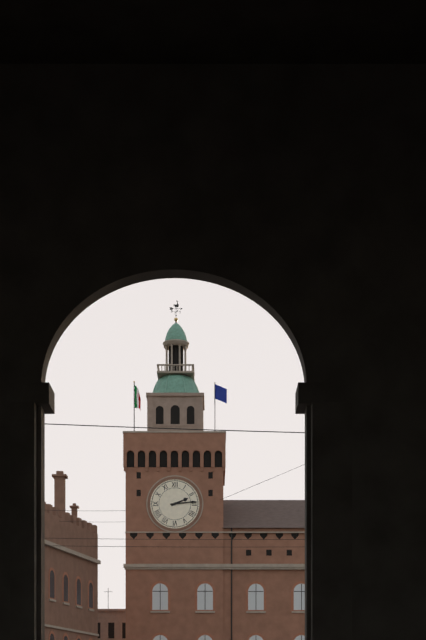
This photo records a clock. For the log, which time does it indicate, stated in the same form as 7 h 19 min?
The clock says 2 h 14 min
